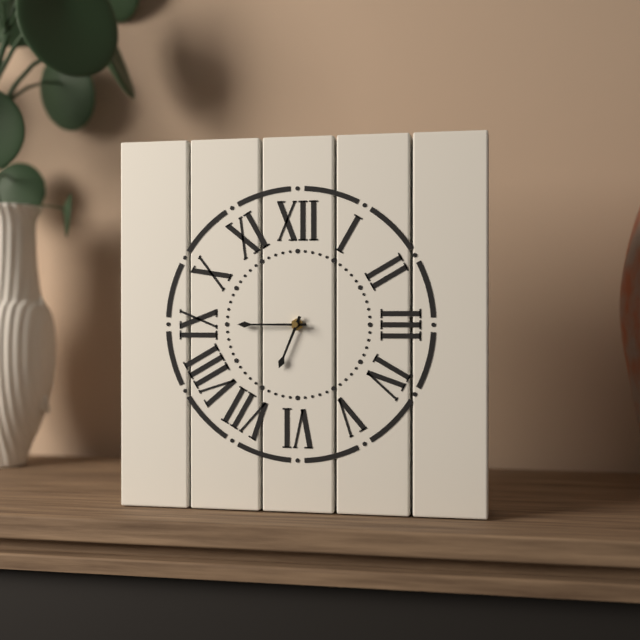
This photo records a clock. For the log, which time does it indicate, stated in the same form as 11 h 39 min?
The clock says 6 h 45 min
